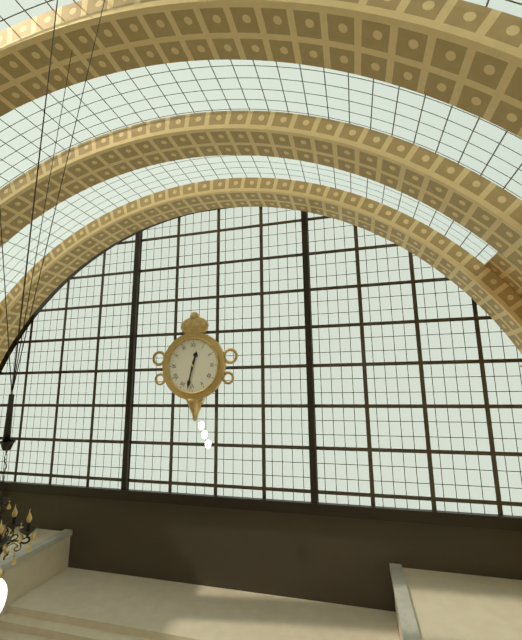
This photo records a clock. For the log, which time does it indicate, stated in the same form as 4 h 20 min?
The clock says 12 h 32 min
